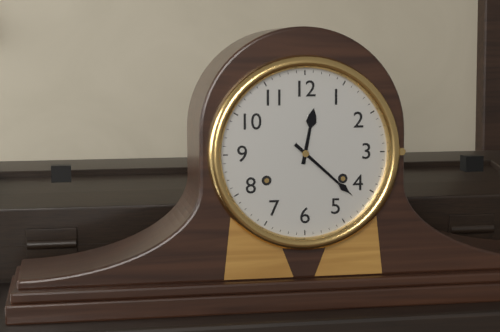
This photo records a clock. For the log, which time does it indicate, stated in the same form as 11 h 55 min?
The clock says 12 h 22 min
